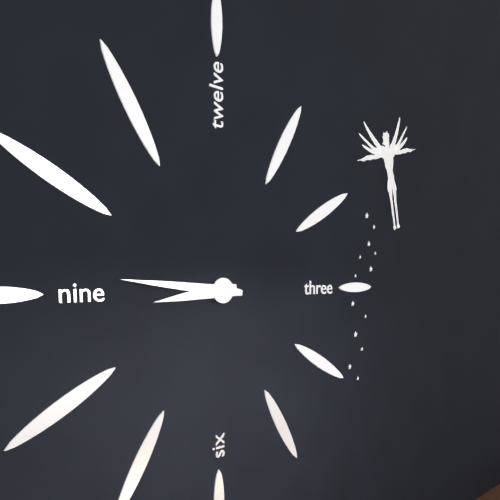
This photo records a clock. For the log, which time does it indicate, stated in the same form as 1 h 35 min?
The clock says 8 h 46 min
